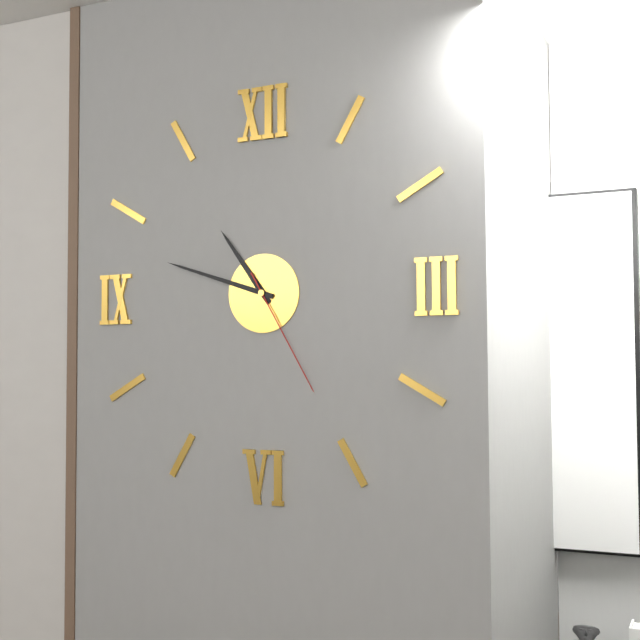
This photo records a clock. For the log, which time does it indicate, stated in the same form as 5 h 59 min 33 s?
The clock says 10 h 48 min 25 s
